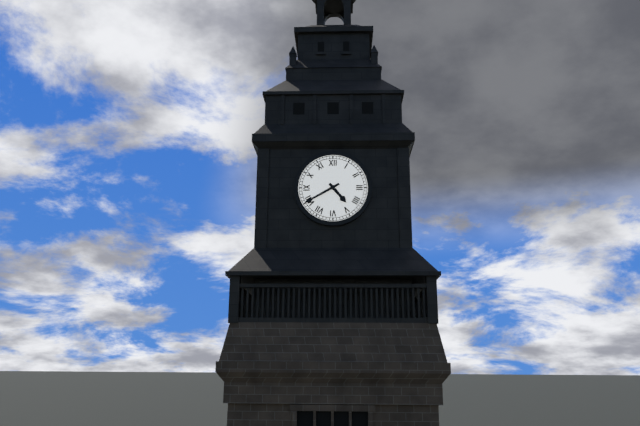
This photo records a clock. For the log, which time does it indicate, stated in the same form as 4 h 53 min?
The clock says 4 h 40 min
